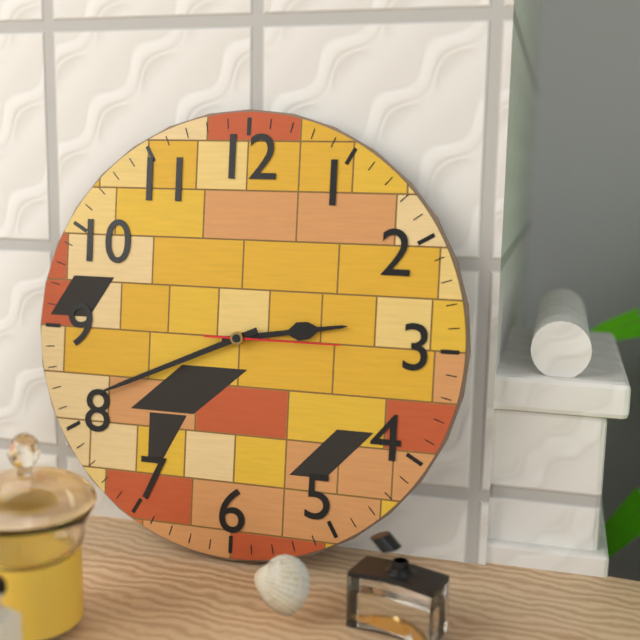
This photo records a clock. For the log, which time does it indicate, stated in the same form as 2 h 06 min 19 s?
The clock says 2 h 41 min 15 s
